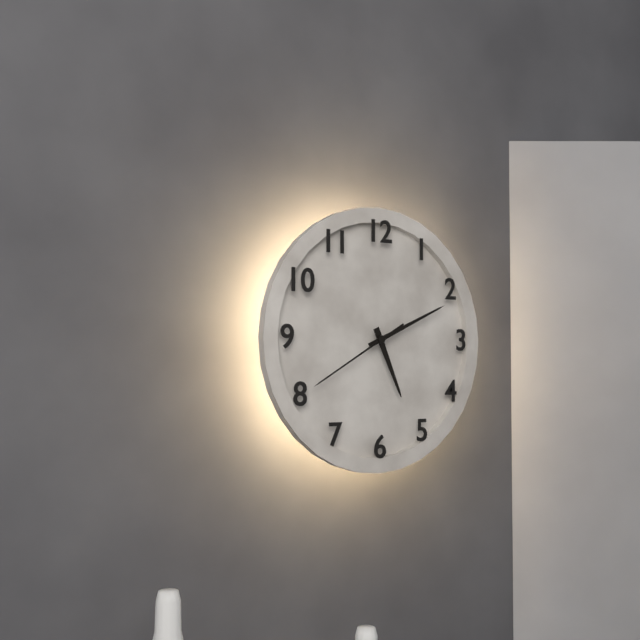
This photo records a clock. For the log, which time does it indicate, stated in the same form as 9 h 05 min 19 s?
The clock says 5 h 11 min 40 s
